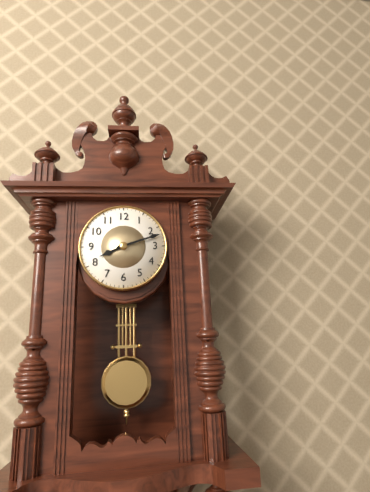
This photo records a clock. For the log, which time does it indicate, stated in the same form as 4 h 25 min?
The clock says 8 h 12 min
